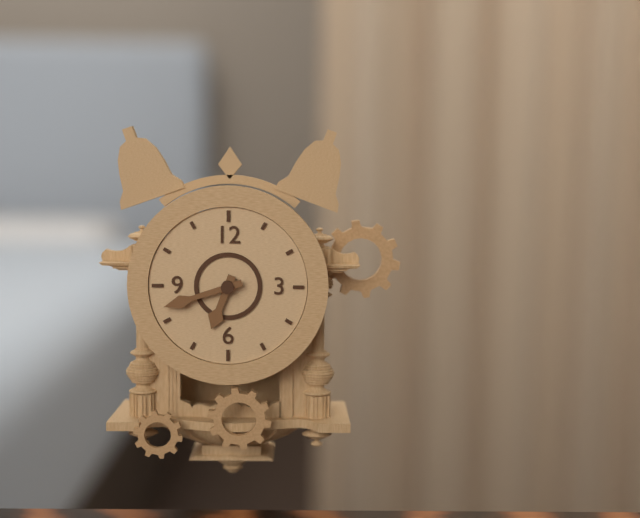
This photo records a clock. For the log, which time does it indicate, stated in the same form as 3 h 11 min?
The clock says 6 h 42 min
